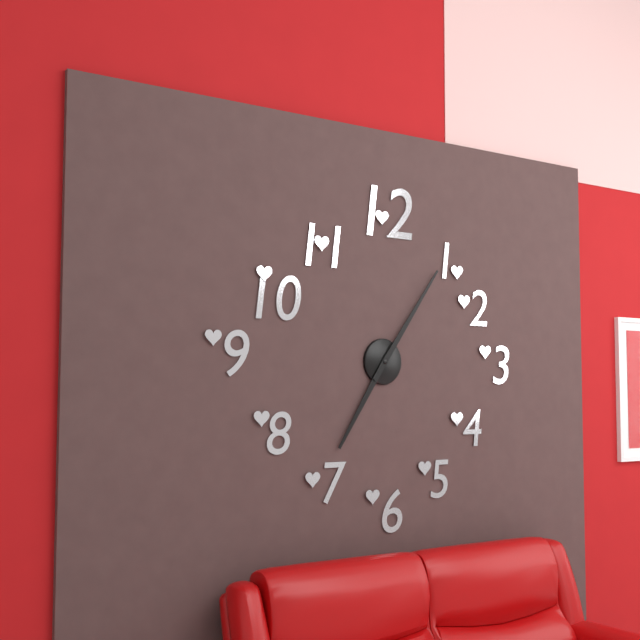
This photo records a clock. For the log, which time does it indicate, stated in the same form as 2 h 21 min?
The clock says 7 h 06 min
